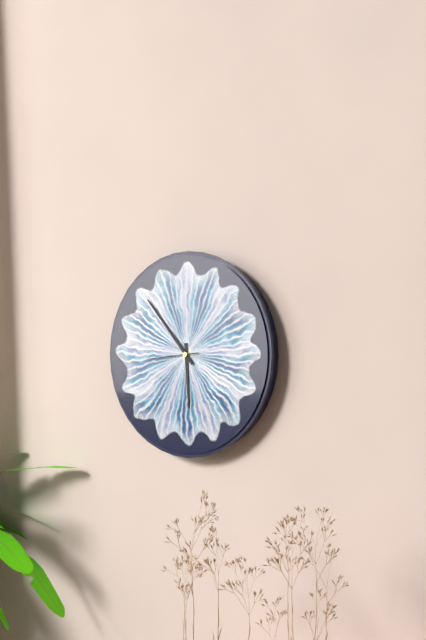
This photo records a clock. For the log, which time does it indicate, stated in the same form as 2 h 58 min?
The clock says 5 h 53 min
